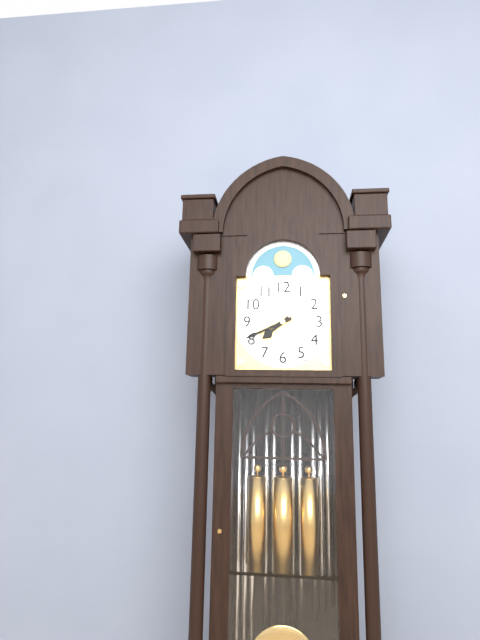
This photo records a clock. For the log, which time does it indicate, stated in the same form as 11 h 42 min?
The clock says 7 h 41 min
